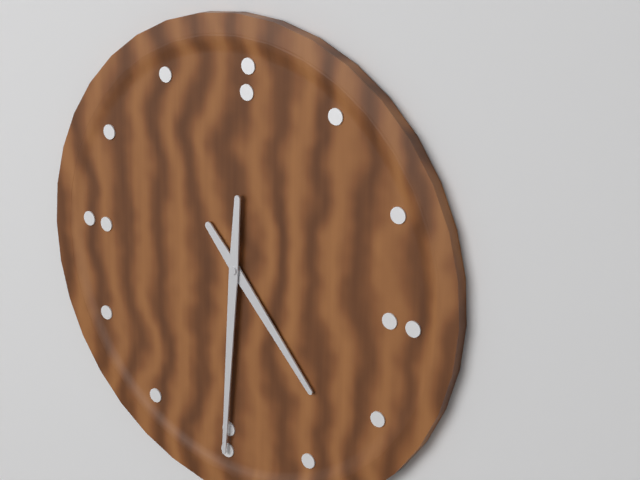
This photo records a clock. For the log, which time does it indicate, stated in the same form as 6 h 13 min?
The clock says 4 h 30 min
